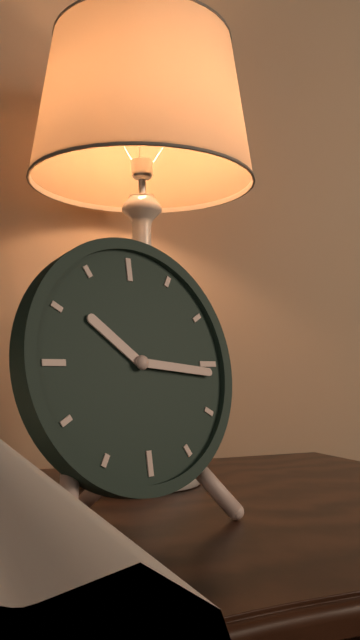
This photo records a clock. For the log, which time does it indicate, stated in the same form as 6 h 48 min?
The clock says 10 h 16 min
